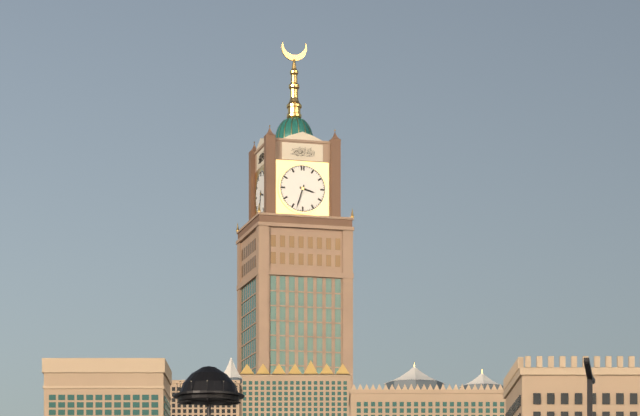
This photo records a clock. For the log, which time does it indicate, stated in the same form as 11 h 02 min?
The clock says 3 h 33 min
